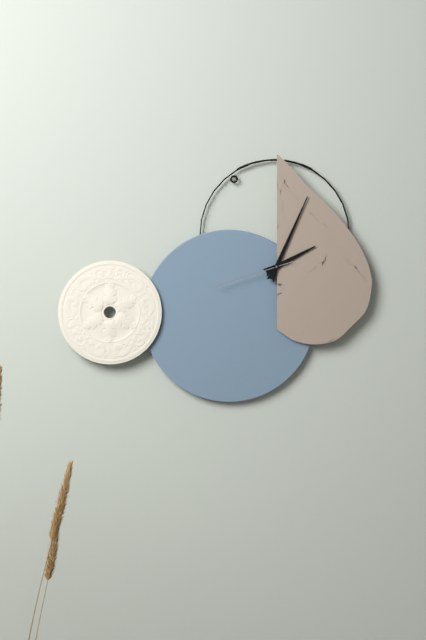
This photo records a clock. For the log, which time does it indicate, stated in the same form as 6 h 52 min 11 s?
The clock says 2 h 04 min 42 s
